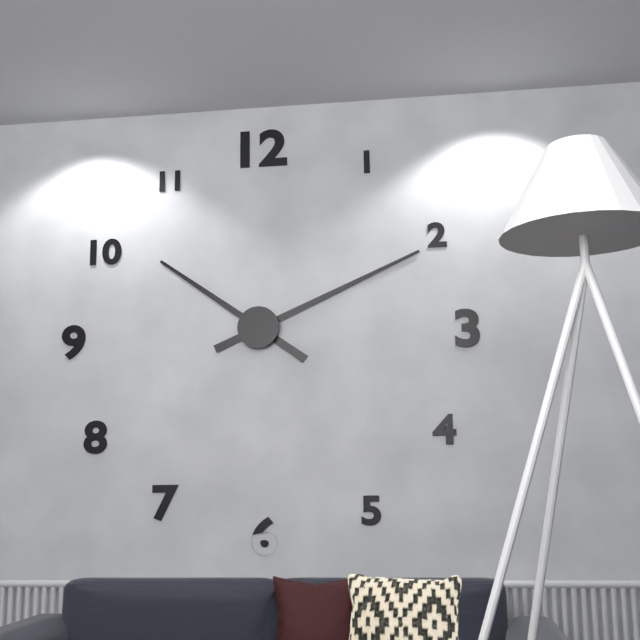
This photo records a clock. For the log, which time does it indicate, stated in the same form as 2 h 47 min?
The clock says 10 h 11 min
